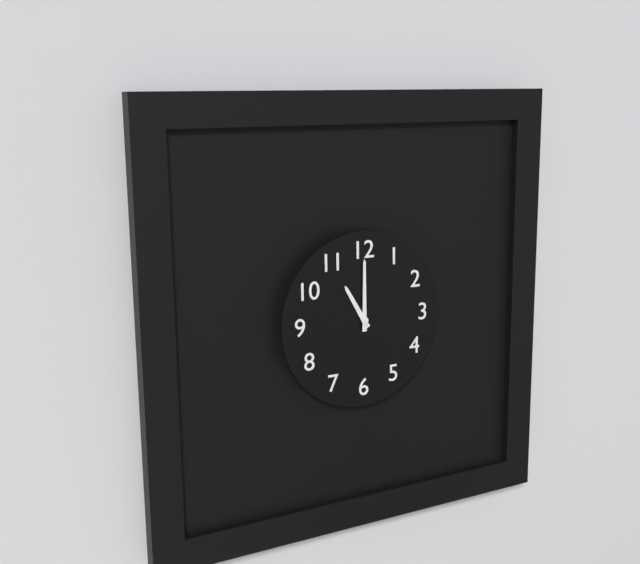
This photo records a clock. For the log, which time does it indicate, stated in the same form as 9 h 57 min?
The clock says 11 h 00 min
